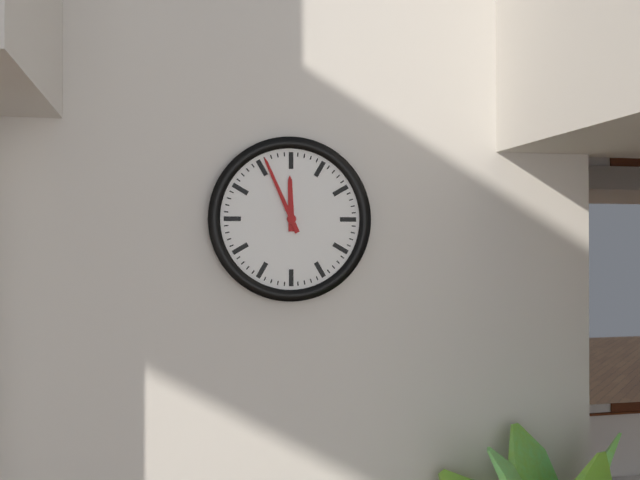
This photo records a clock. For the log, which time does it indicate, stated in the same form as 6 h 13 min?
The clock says 11 h 56 min
